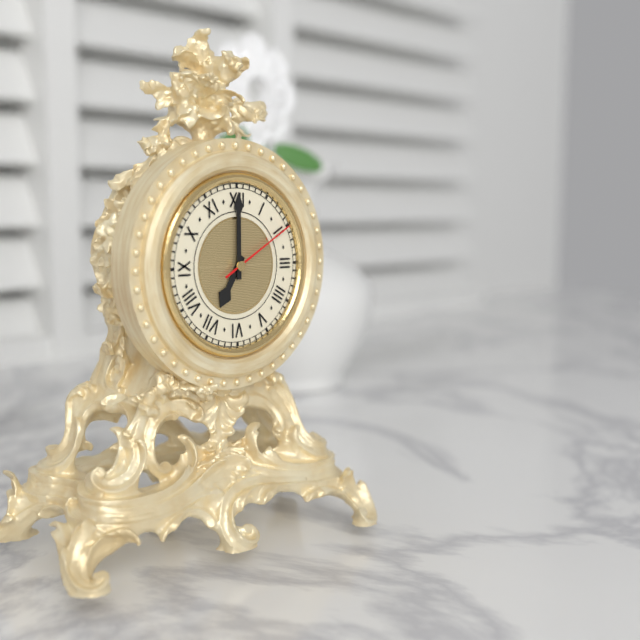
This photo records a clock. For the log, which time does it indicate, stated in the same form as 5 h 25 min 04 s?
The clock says 7 h 00 min 10 s
